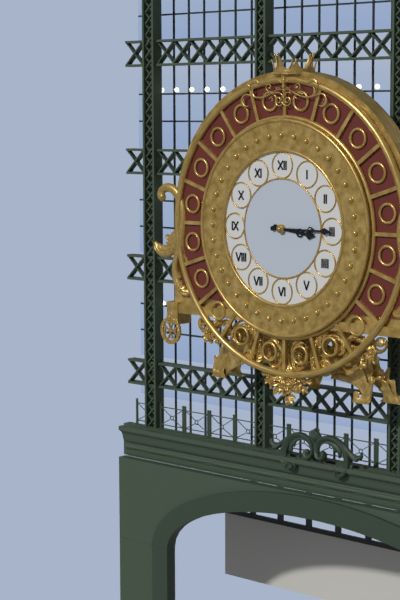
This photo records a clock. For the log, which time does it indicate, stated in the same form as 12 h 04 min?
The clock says 3 h 15 min
